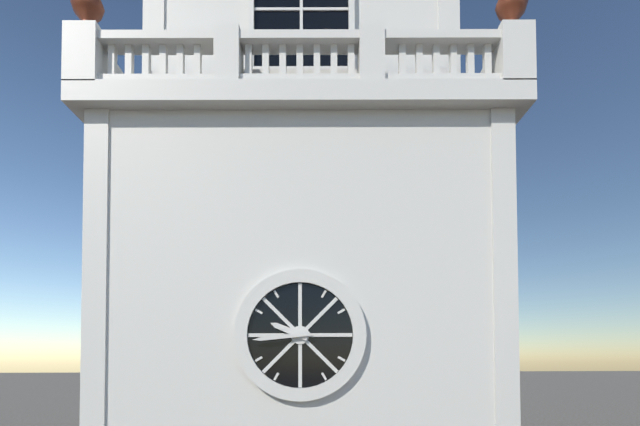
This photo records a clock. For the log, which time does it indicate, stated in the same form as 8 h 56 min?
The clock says 9 h 44 min
